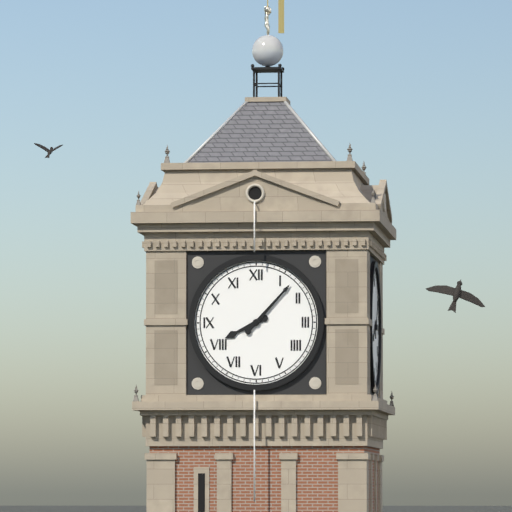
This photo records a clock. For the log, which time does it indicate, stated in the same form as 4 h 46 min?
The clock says 8 h 07 min
